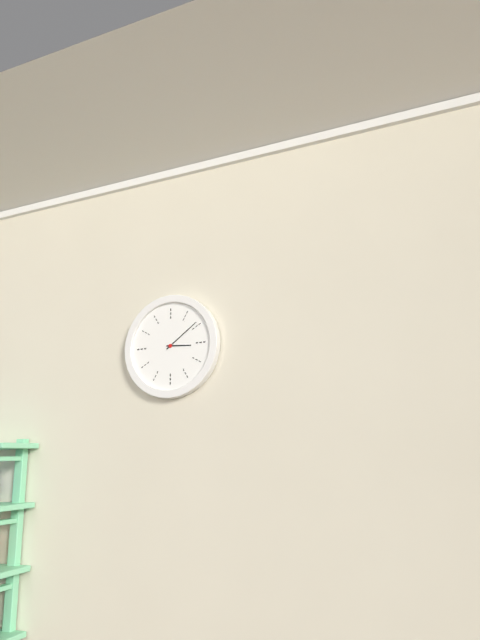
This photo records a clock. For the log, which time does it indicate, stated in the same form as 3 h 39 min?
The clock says 3 h 09 min
